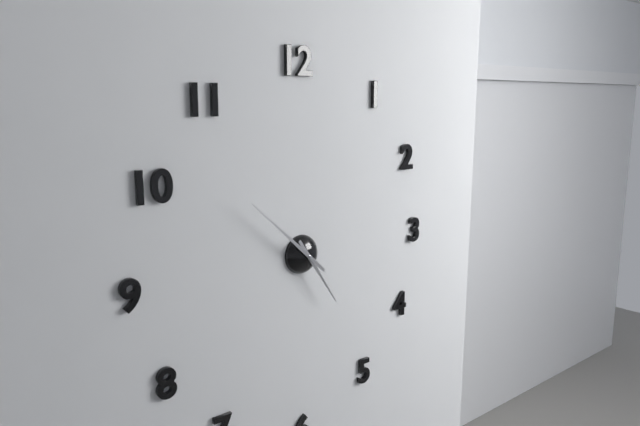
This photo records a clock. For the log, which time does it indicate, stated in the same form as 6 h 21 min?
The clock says 4 h 52 min
